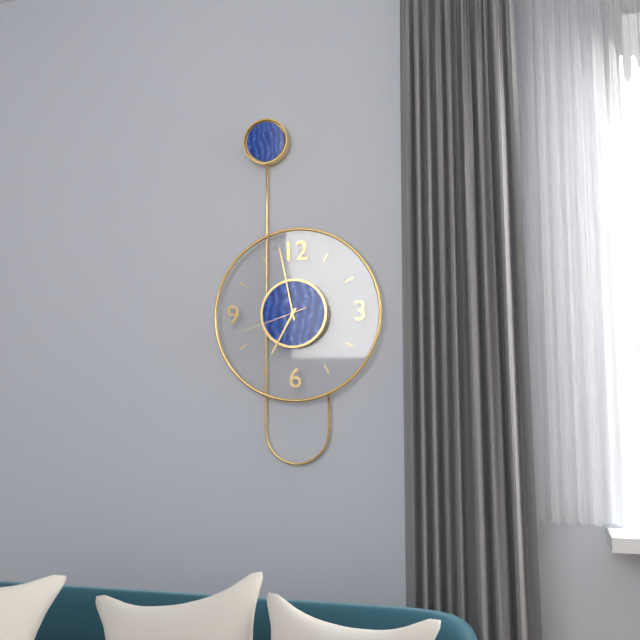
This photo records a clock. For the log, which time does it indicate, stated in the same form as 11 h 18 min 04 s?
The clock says 6 h 58 min 42 s
